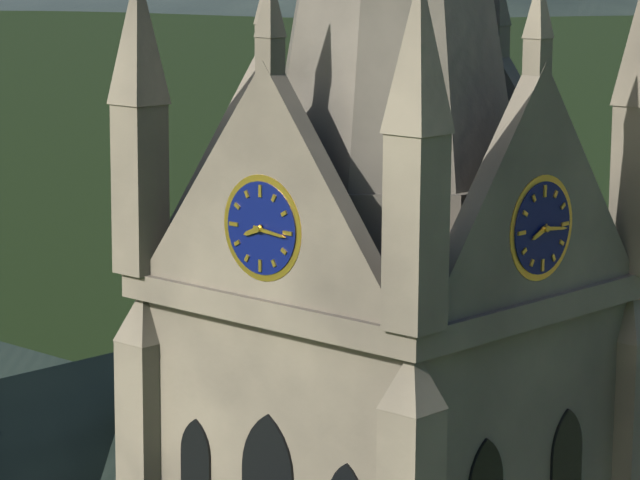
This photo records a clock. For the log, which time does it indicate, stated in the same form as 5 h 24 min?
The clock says 8 h 16 min
